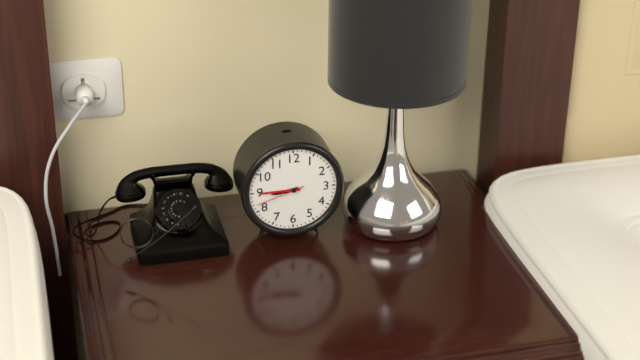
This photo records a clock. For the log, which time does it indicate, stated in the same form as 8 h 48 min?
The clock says 8 h 45 min
